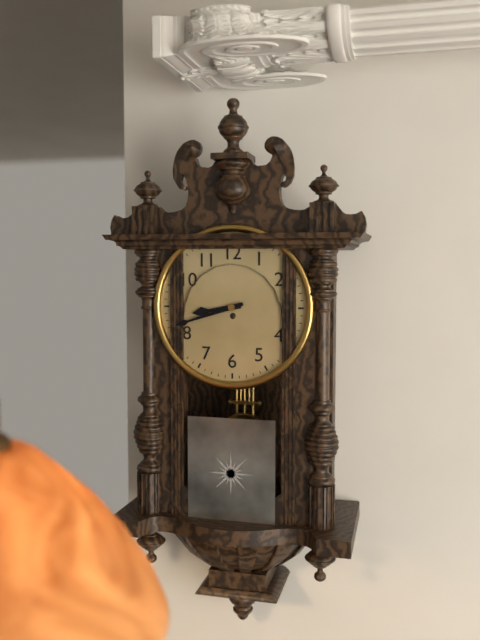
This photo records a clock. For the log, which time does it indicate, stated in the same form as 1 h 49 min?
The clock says 8 h 42 min
